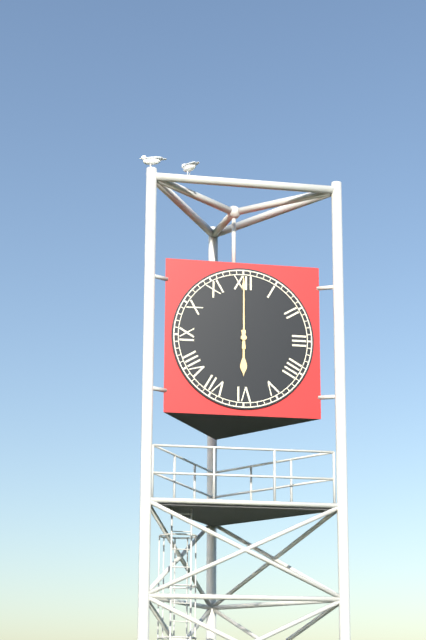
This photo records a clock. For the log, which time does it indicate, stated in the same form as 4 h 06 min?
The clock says 6 h 00 min
